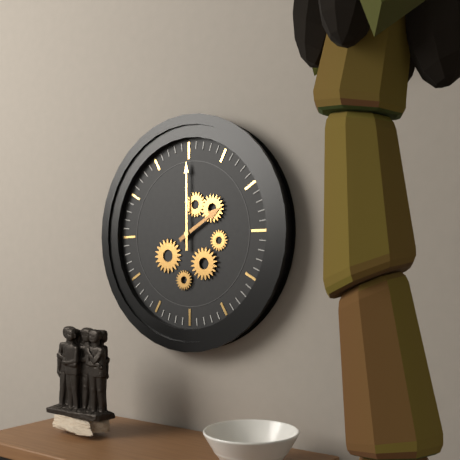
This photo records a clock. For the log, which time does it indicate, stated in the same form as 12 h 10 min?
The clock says 2 h 00 min
